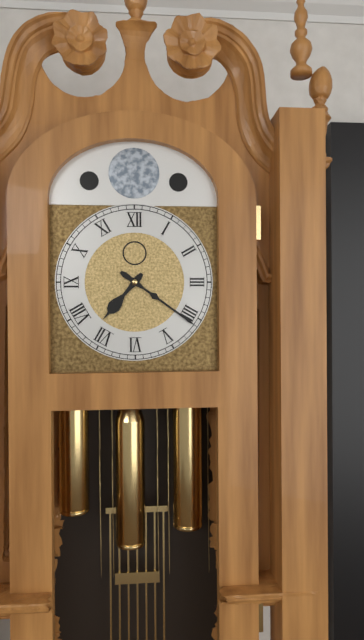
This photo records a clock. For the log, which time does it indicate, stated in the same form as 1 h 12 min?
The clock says 7 h 21 min
